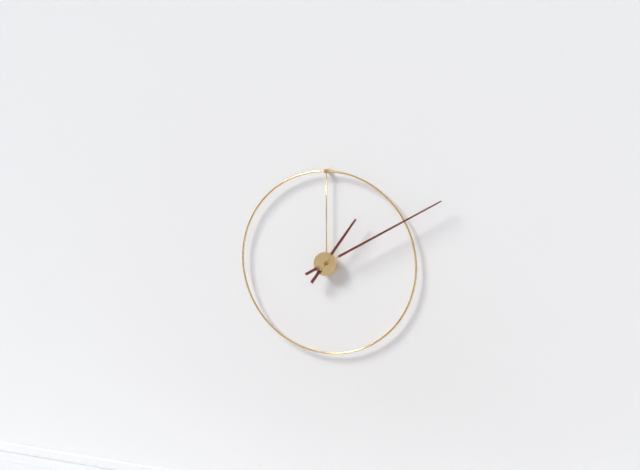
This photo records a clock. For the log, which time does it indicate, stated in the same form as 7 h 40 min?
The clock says 1 h 10 min
